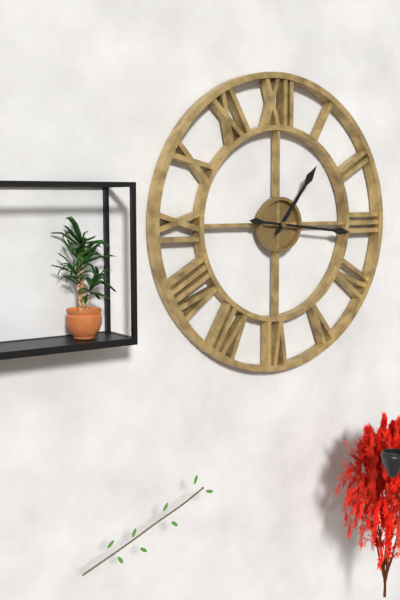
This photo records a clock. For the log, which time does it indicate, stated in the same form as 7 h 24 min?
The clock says 1 h 16 min
